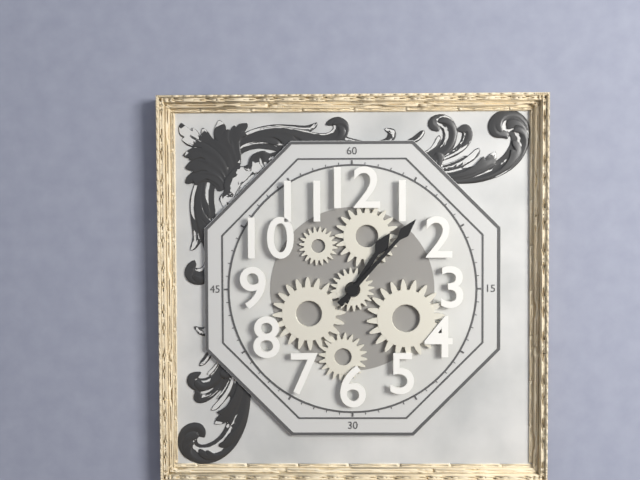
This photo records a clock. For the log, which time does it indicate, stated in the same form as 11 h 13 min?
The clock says 1 h 07 min
